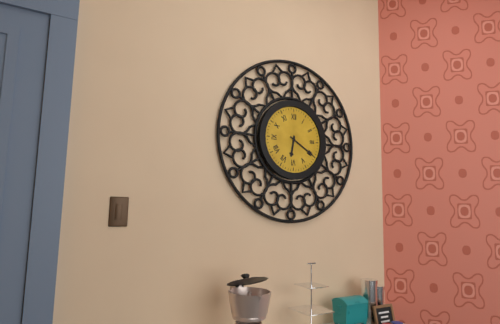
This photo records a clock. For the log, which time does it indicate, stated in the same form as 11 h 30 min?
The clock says 6 h 20 min
